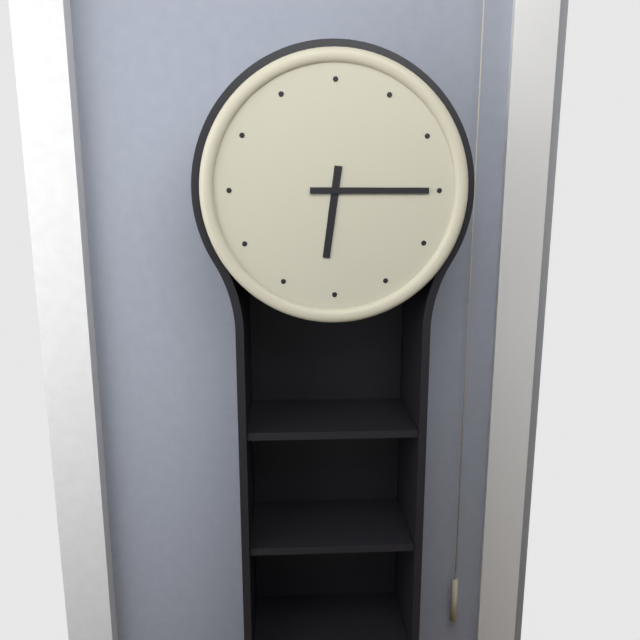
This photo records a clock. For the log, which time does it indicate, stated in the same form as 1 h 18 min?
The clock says 6 h 15 min
